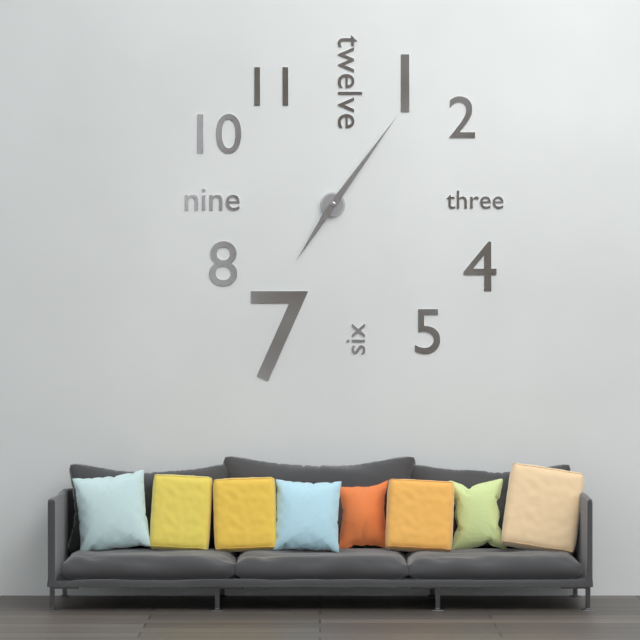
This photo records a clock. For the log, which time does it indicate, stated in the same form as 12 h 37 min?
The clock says 7 h 06 min
